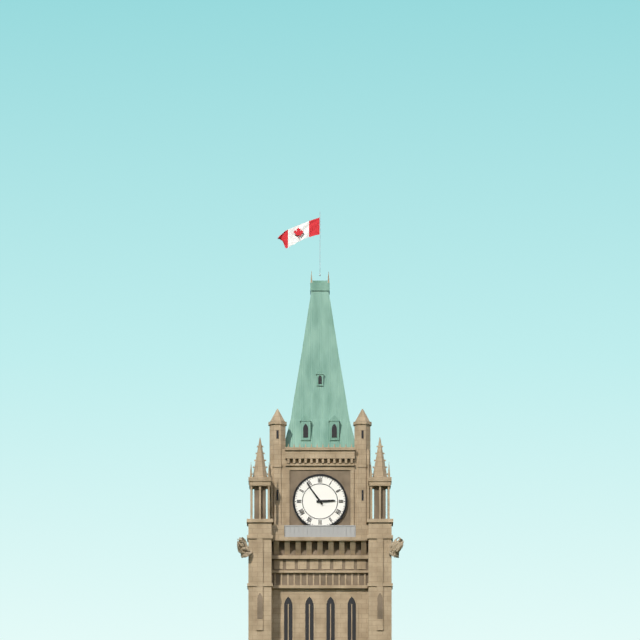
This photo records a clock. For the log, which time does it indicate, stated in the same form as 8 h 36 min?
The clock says 2 h 54 min
